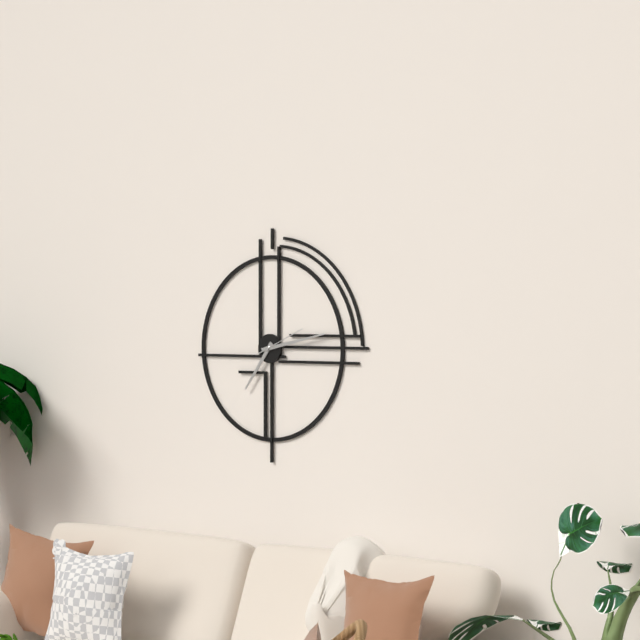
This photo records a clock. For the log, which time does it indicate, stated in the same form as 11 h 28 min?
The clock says 7 h 13 min
